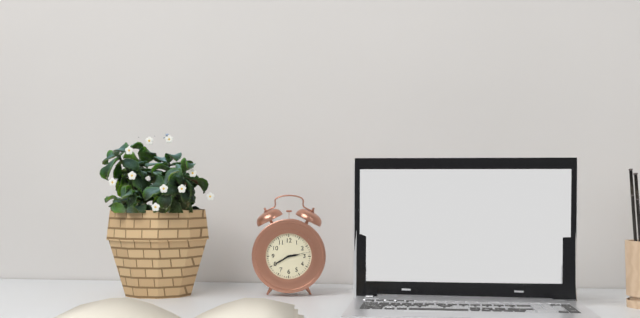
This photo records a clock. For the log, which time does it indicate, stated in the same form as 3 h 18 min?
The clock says 2 h 40 min
